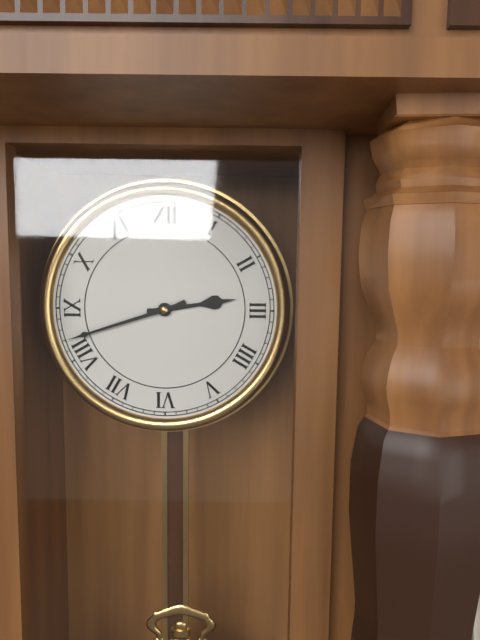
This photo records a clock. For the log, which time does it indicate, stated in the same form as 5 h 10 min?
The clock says 2 h 42 min
